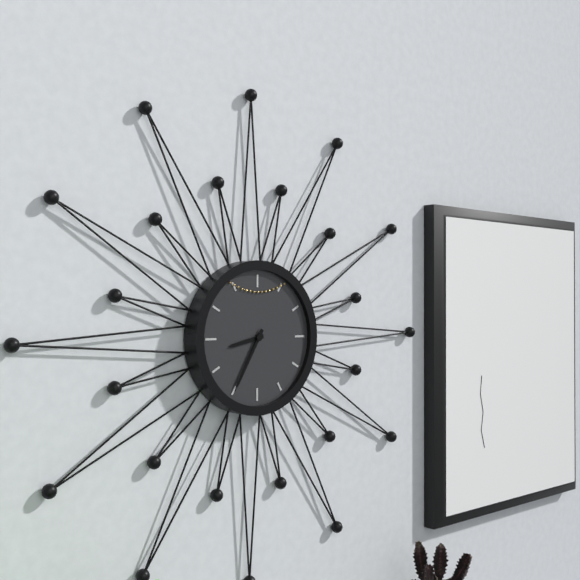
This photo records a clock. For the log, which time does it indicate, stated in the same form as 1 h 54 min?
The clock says 8 h 35 min
